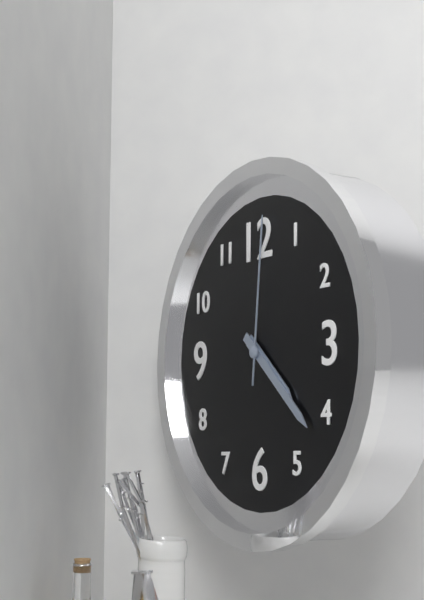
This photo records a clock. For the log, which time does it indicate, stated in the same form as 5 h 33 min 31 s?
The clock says 4 h 22 min 01 s
